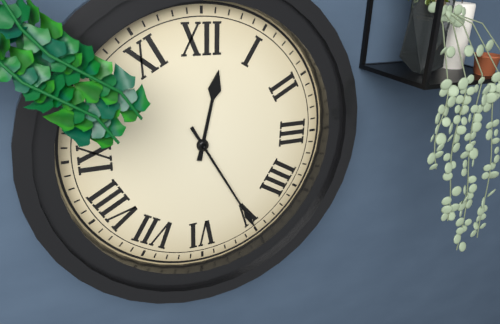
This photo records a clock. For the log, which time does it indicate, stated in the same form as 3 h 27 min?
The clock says 12 h 25 min
